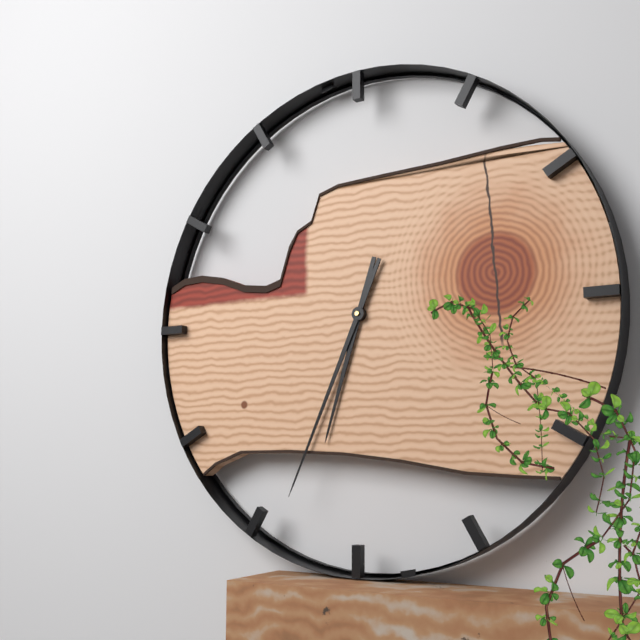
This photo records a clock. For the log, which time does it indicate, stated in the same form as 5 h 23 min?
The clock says 6 h 34 min
